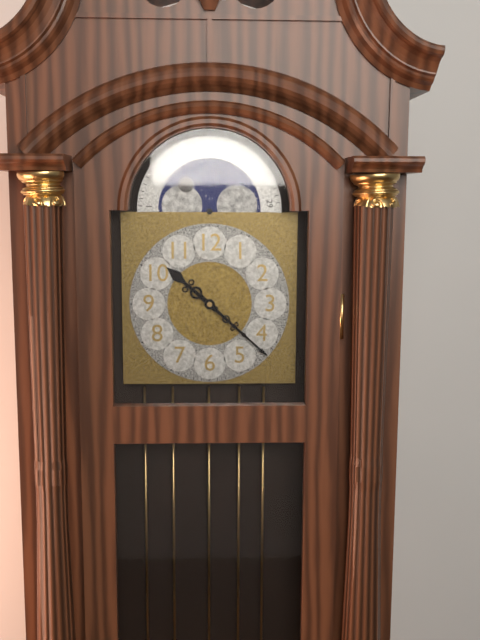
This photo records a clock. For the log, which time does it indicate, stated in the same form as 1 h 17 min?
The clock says 10 h 22 min
